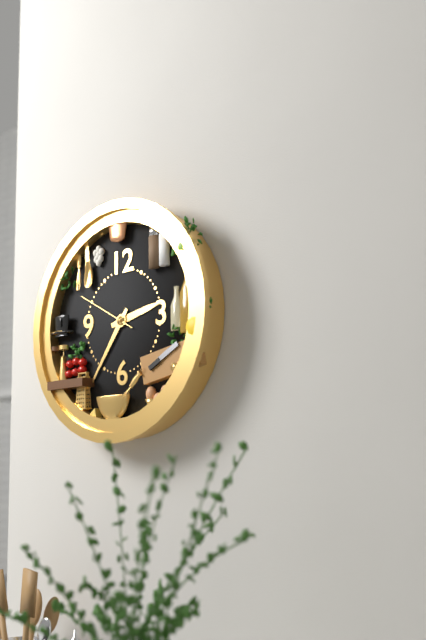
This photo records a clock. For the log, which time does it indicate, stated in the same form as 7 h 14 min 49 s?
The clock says 2 h 36 min 50 s
